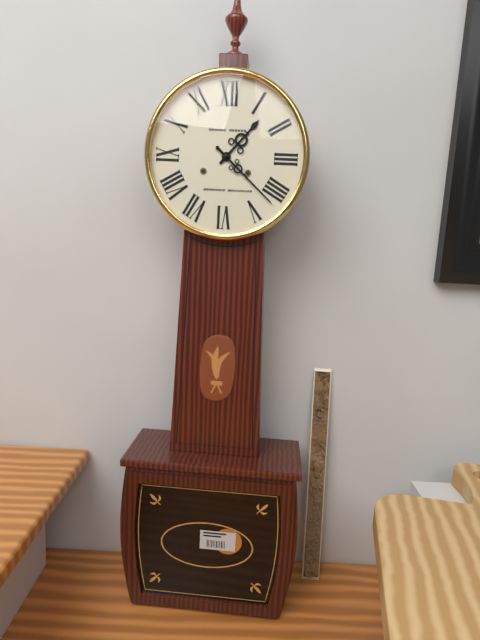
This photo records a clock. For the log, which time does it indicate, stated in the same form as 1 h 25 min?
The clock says 1 h 22 min
